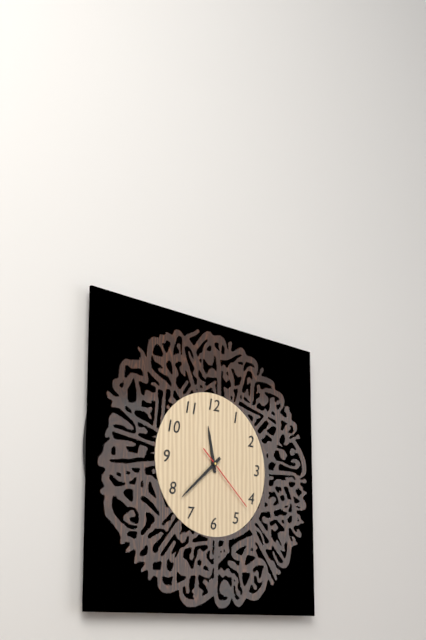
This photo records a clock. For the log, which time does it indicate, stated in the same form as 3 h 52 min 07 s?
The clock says 11 h 38 min 22 s
